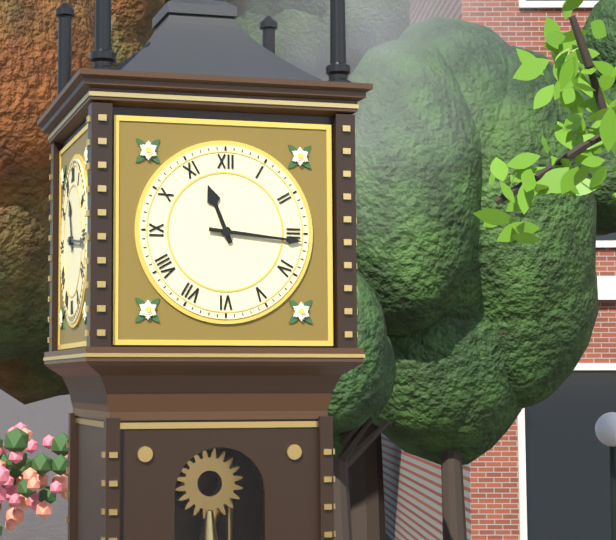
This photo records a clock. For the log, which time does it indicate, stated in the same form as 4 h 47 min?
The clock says 11 h 16 min
